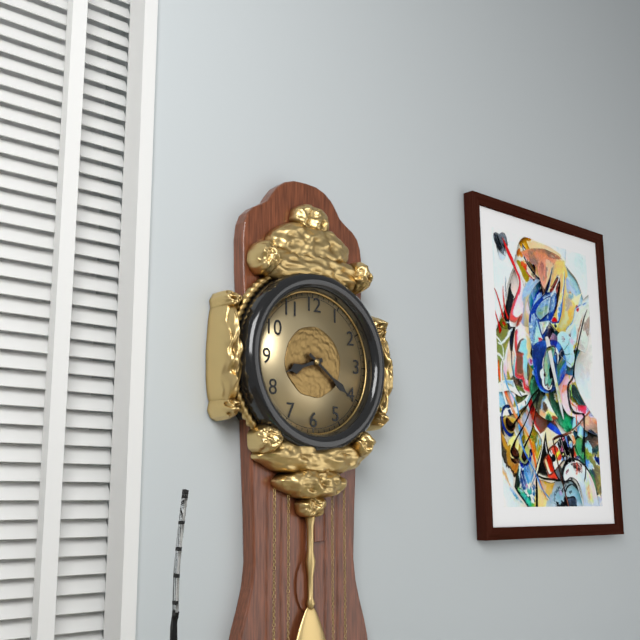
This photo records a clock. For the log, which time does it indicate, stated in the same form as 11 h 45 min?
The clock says 8 h 21 min
